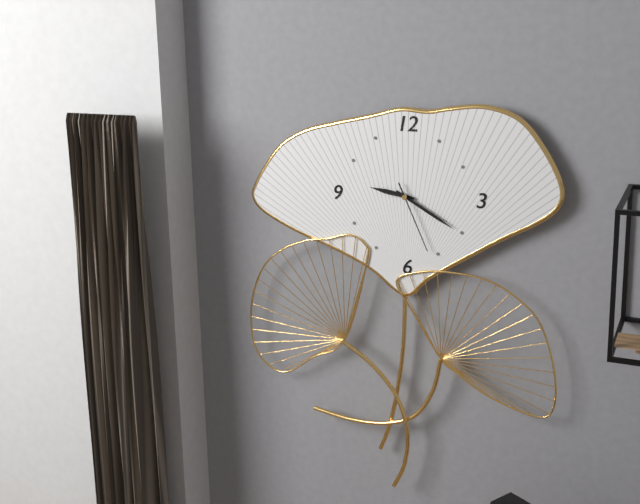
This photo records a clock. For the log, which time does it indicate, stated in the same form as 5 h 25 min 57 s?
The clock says 9 h 20 min 26 s
